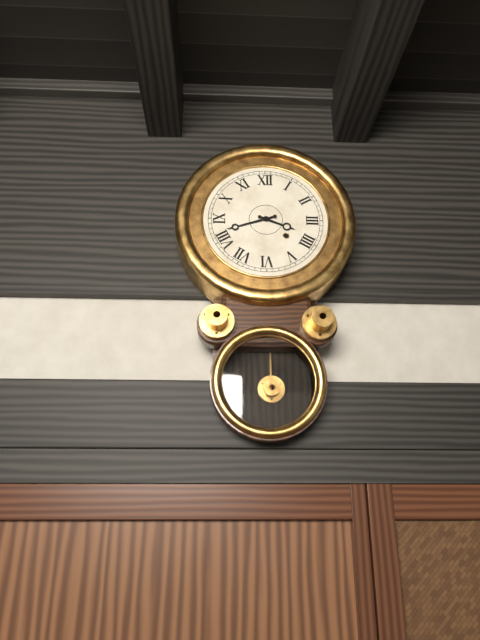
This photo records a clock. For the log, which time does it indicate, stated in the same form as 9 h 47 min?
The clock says 3 h 42 min
